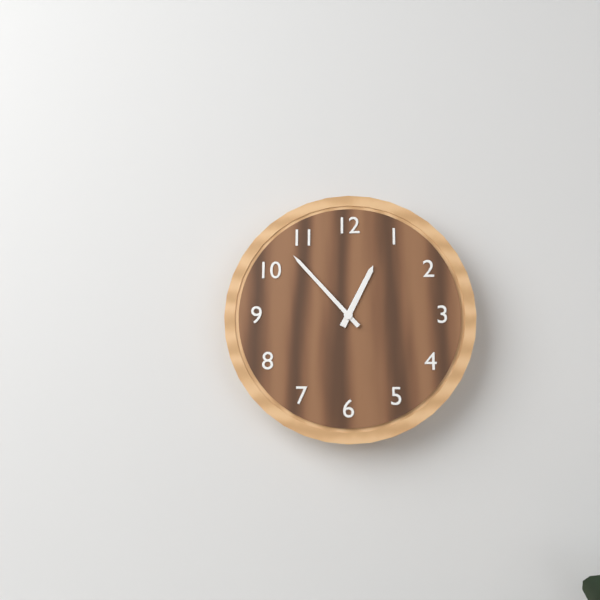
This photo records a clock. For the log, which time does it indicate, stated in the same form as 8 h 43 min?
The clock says 12 h 53 min
